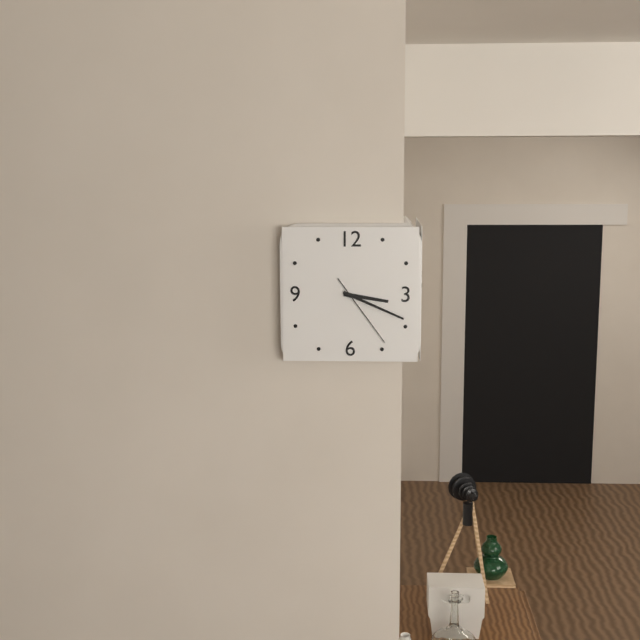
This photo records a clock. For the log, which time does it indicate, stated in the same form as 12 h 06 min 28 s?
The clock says 3 h 19 min 24 s
